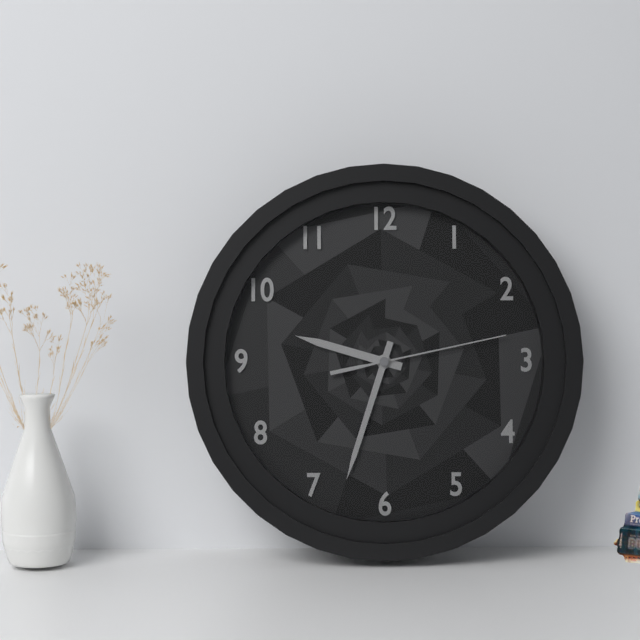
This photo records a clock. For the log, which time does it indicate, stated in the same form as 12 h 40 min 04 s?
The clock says 9 h 33 min 13 s
